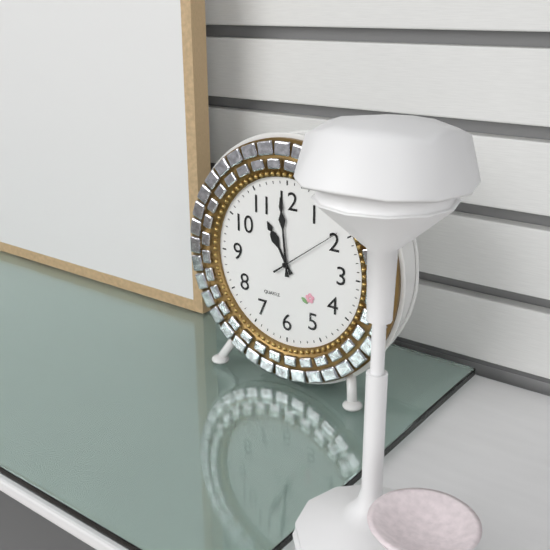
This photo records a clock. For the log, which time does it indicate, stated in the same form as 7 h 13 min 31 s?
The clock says 10 h 59 min 09 s
